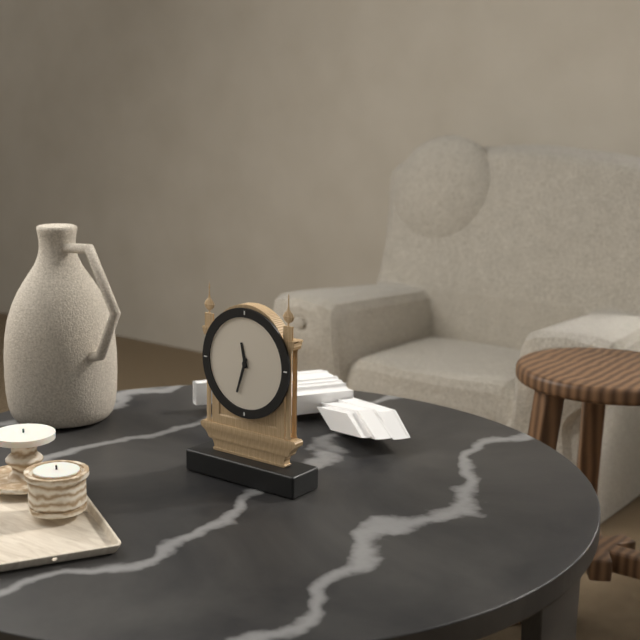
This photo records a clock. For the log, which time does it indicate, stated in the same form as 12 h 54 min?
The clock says 11 h 33 min
